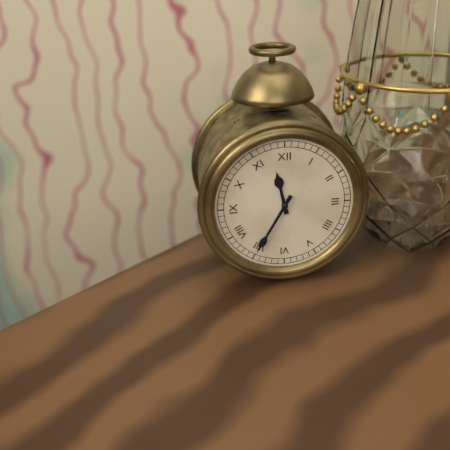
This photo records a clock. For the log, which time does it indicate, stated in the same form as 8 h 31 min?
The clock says 11 h 35 min
